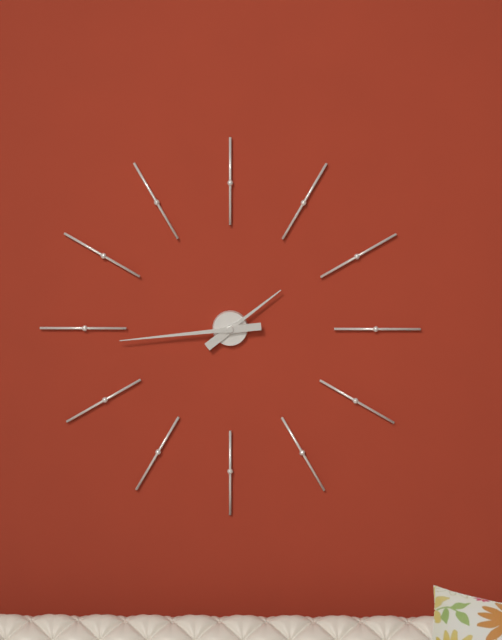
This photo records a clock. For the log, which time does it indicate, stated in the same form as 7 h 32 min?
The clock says 1 h 44 min
